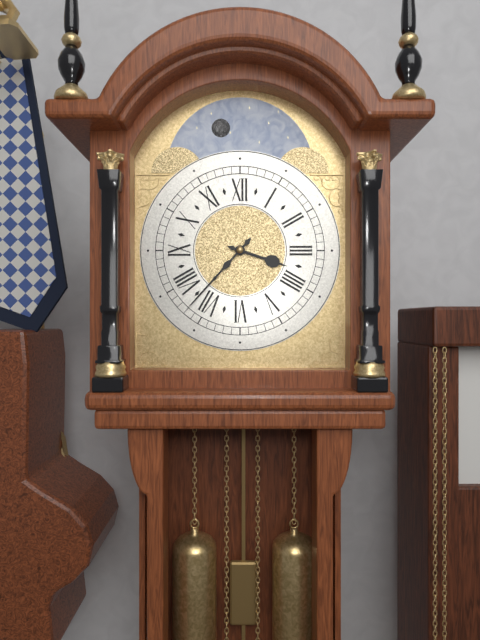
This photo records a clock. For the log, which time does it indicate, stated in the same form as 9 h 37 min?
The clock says 3 h 37 min
